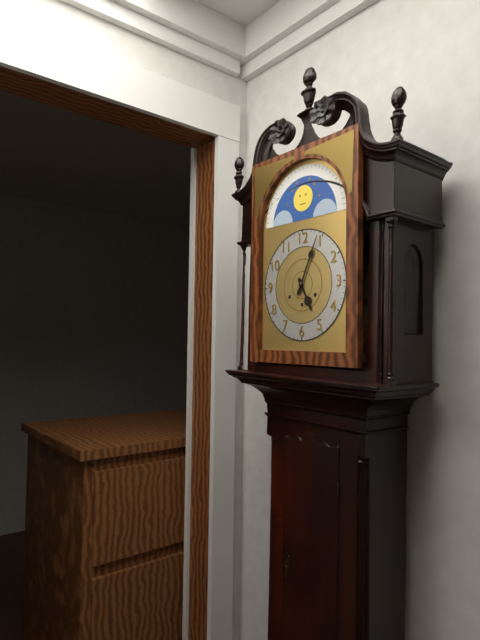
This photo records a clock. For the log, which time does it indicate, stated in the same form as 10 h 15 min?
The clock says 5 h 04 min
